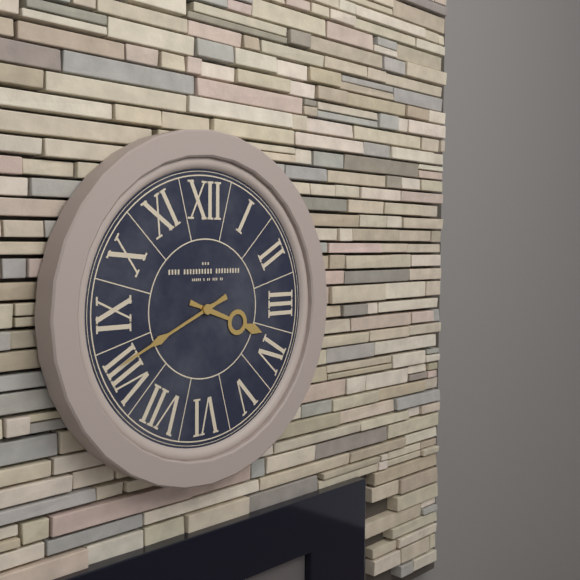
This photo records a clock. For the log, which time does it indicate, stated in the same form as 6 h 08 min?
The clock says 3 h 41 min
